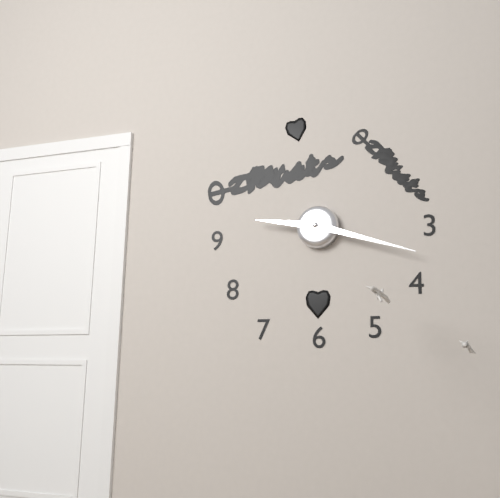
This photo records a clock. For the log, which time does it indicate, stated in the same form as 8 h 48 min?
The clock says 9 h 18 min
